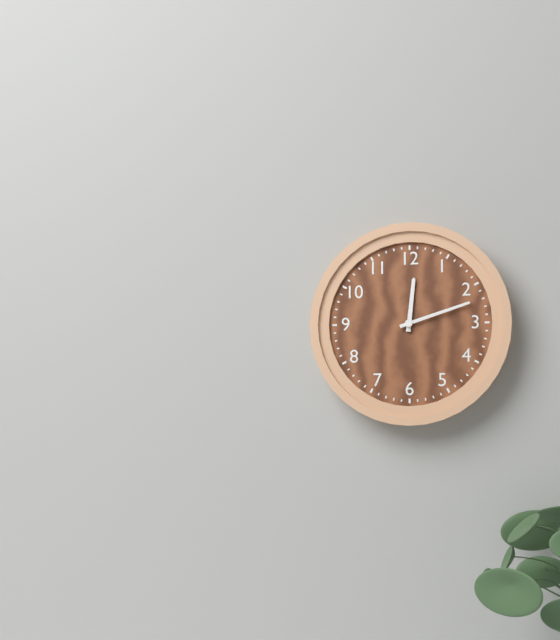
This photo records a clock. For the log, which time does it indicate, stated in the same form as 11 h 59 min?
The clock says 12 h 12 min
